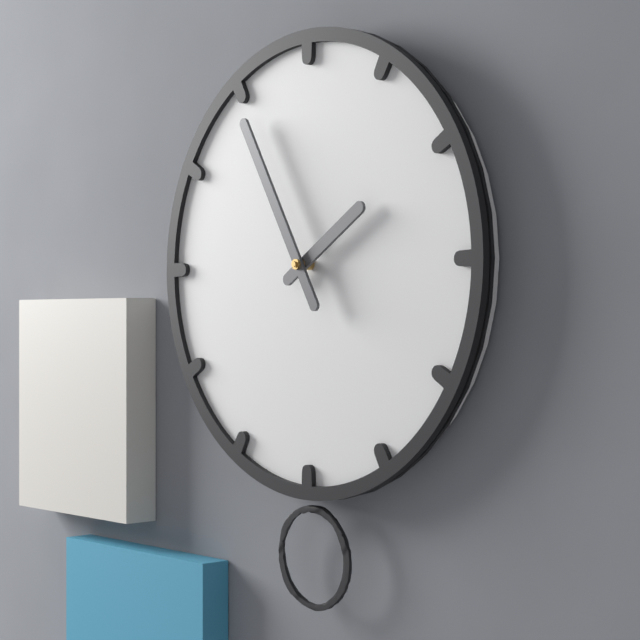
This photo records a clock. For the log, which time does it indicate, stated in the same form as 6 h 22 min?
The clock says 1 h 55 min
